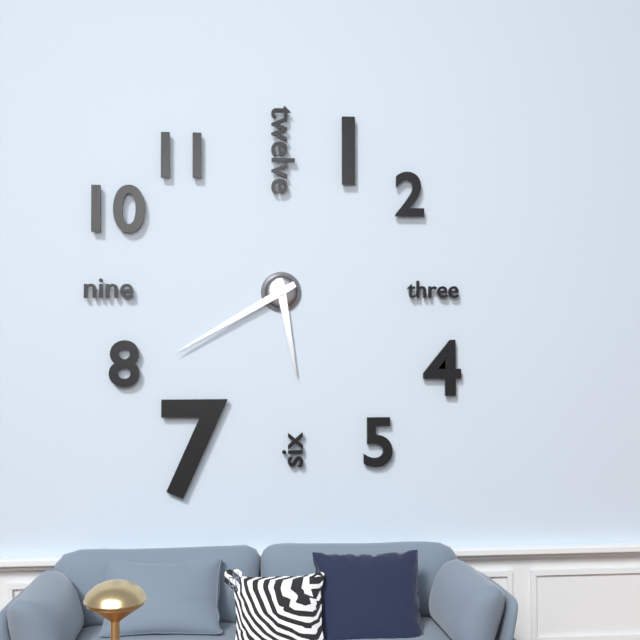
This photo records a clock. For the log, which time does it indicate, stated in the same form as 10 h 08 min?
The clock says 5 h 40 min
